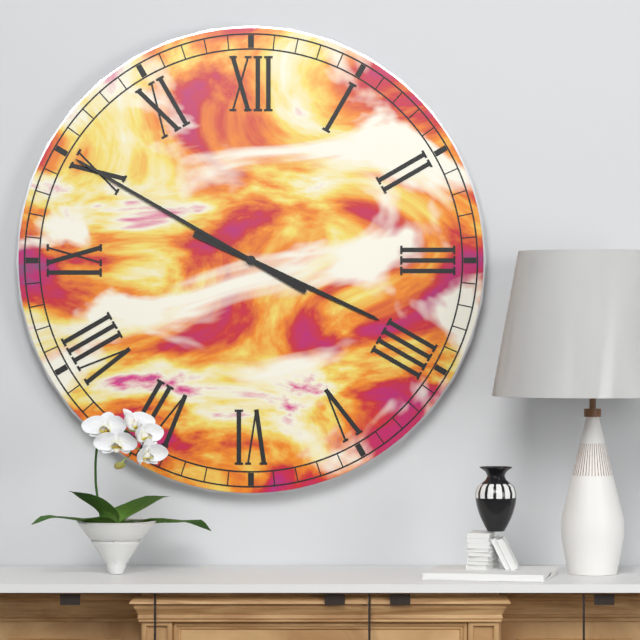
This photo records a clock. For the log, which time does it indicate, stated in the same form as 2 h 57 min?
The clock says 3 h 50 min
